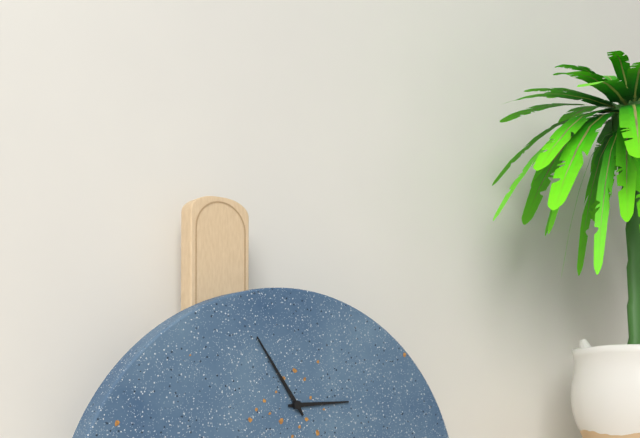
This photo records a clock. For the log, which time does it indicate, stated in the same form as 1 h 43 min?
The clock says 2 h 54 min
